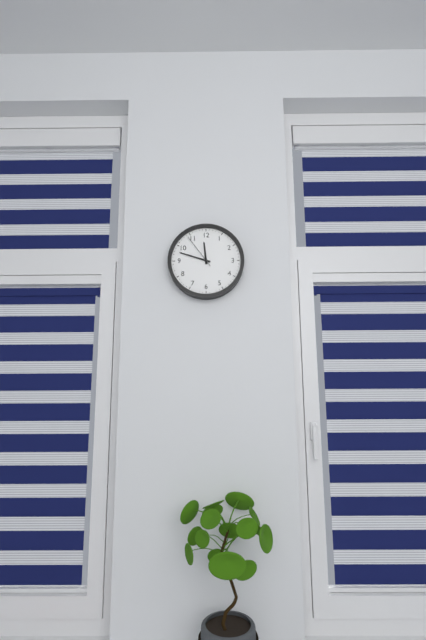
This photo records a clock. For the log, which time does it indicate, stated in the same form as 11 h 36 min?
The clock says 11 h 48 min
